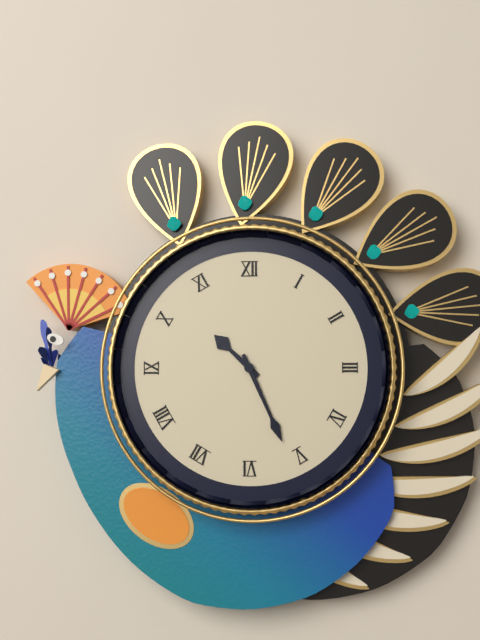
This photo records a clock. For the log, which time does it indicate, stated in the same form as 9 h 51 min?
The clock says 10 h 26 min
